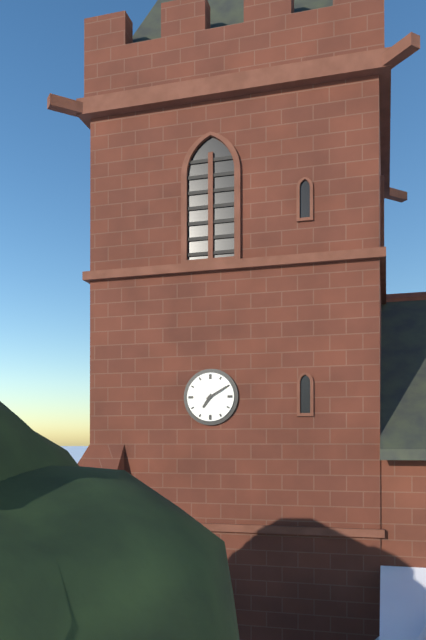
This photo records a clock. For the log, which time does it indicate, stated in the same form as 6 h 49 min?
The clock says 7 h 10 min
